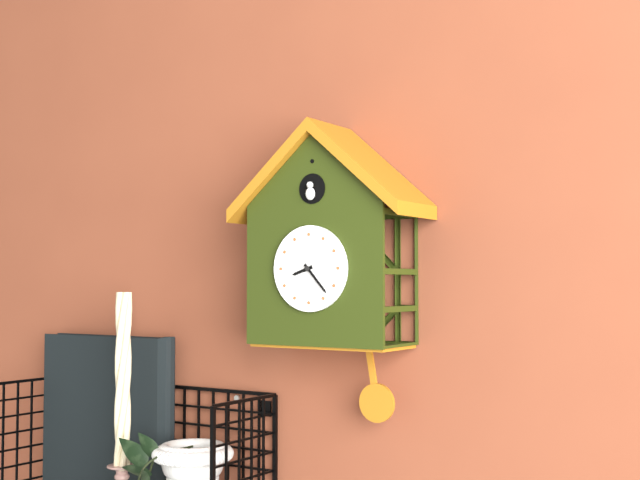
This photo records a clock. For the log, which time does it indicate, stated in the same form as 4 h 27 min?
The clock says 8 h 23 min
